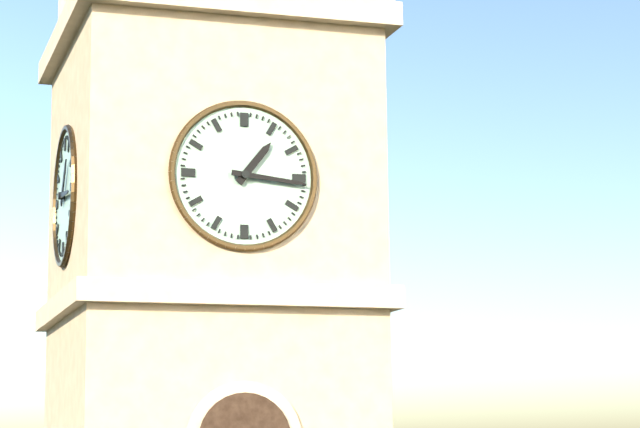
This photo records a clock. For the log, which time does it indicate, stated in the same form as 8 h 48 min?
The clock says 1 h 16 min
